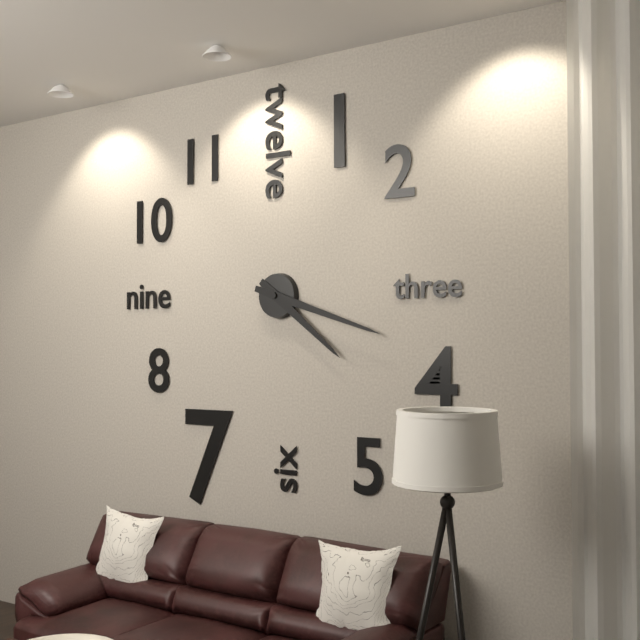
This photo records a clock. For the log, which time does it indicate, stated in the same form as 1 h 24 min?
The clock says 4 h 18 min
